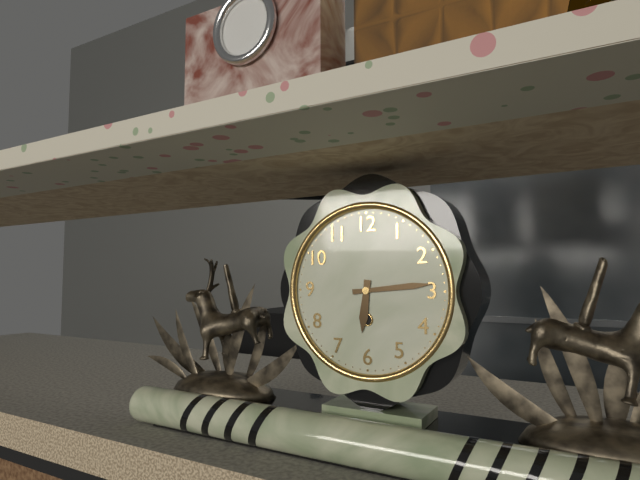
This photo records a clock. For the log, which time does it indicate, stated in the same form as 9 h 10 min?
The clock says 6 h 14 min
